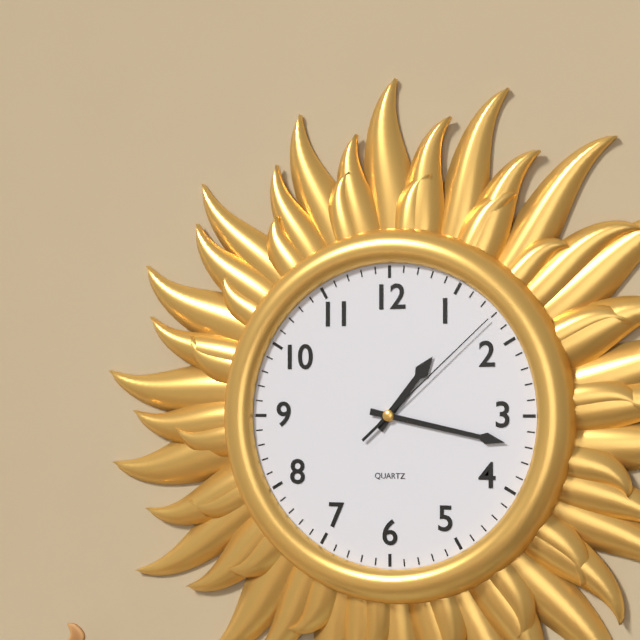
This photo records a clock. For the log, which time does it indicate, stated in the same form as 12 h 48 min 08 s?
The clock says 1 h 17 min 08 s
